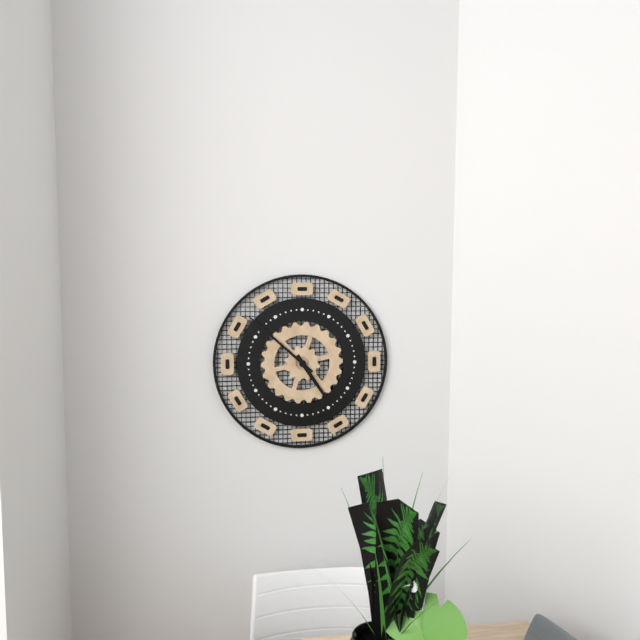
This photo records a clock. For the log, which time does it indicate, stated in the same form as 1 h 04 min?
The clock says 4 h 52 min
